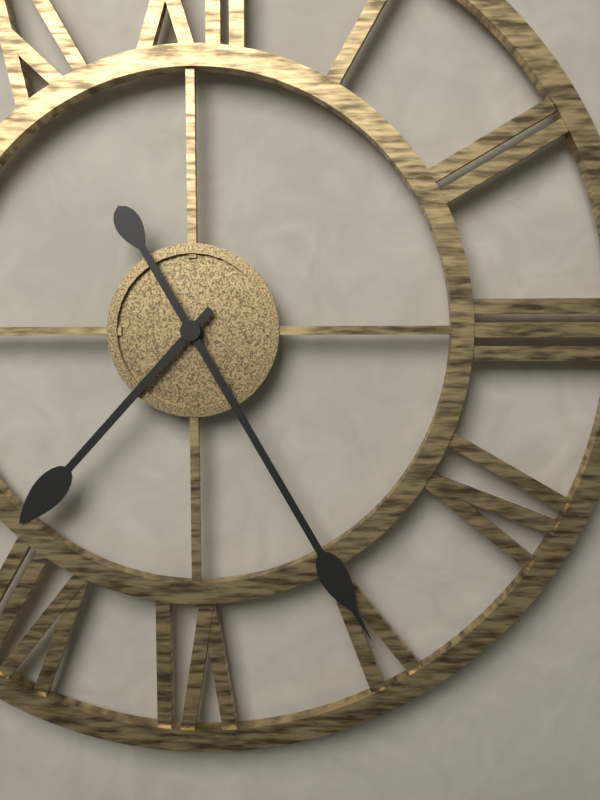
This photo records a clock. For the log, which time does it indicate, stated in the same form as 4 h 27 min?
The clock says 7 h 25 min
